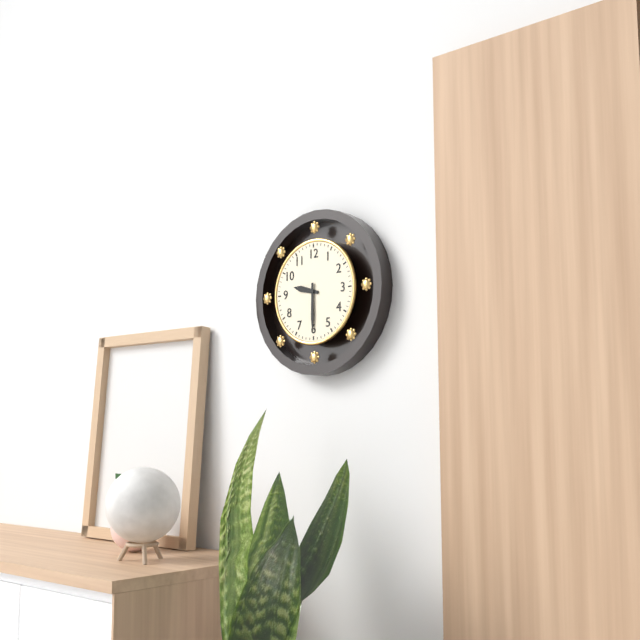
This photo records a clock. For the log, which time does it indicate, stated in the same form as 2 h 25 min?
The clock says 9 h 30 min
